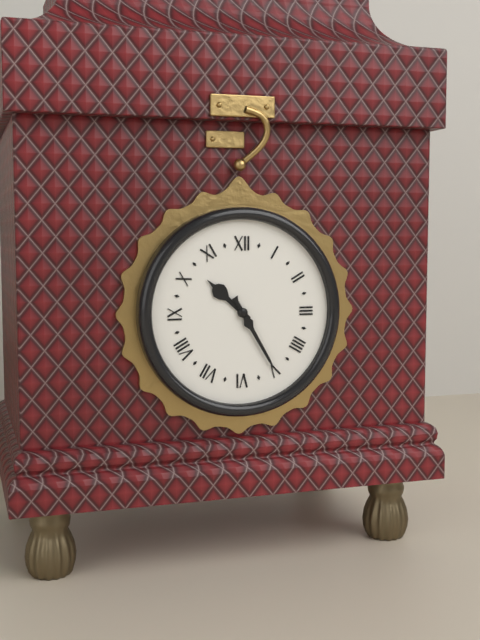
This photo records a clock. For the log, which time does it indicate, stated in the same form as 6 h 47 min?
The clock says 10 h 25 min
